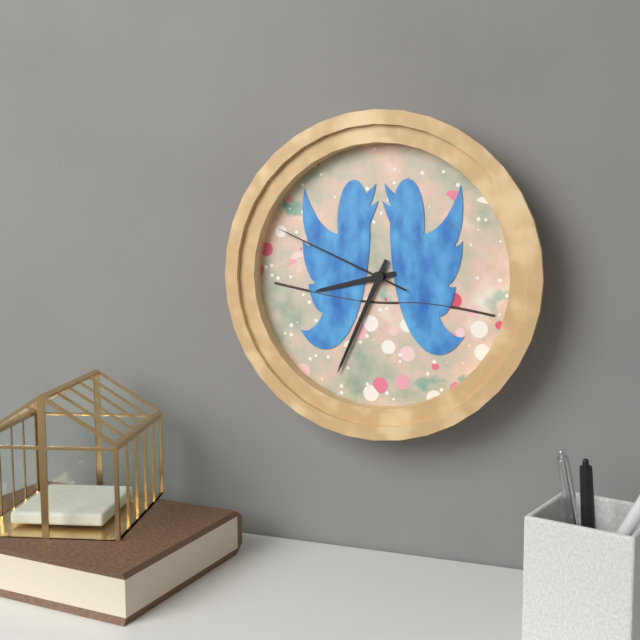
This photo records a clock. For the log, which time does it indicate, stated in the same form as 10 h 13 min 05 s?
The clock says 8 h 34 min 49 s
